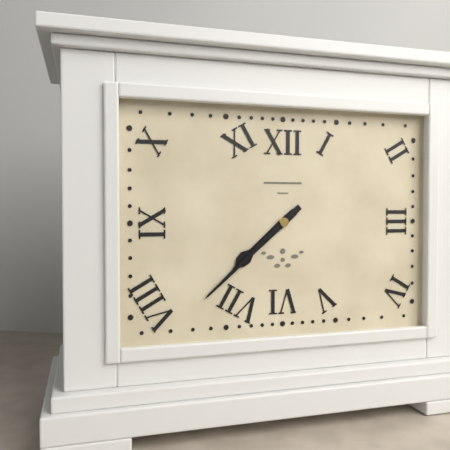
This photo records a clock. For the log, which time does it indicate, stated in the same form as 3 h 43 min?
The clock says 7 h 38 min
